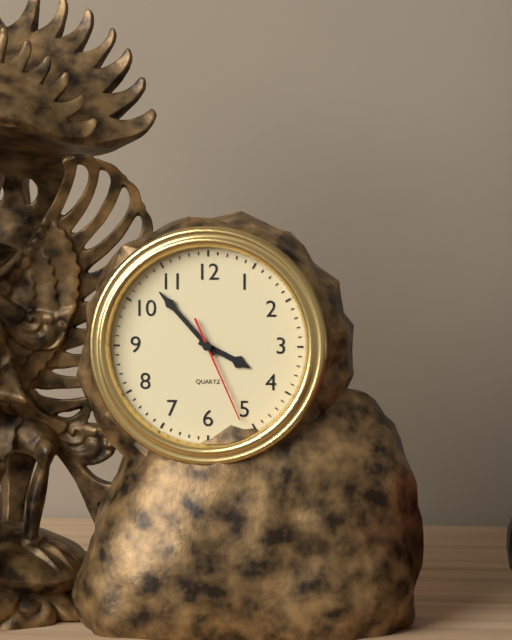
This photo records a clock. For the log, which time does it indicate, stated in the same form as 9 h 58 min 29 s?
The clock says 3 h 53 min 26 s
